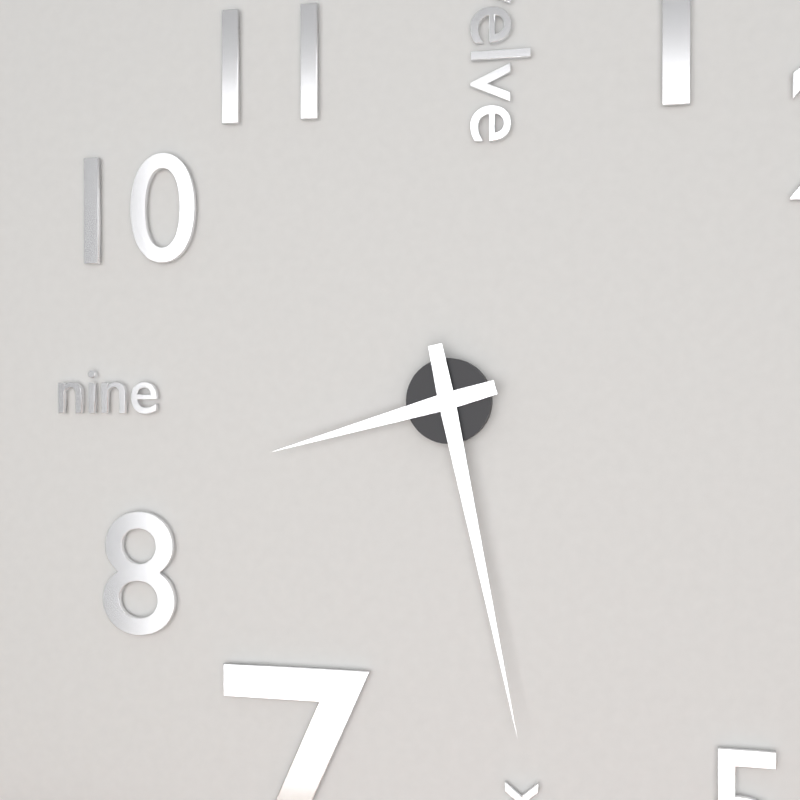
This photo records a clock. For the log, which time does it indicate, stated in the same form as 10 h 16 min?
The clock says 8 h 28 min
